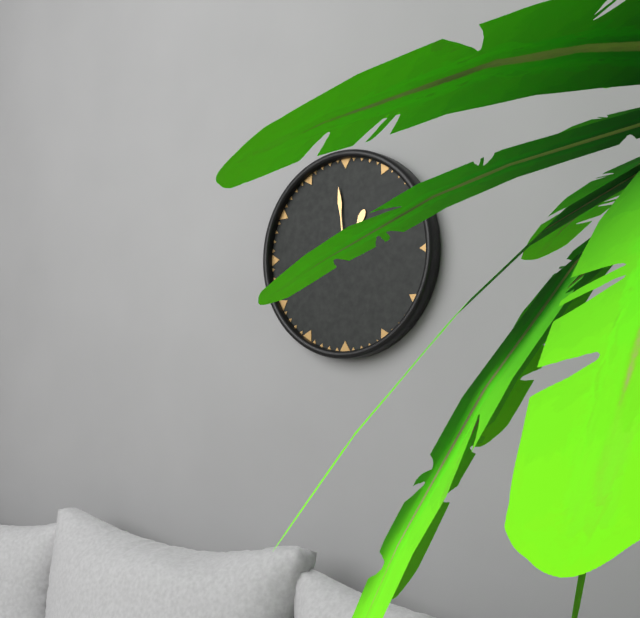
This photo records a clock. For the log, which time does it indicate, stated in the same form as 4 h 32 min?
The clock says 12 h 59 min
